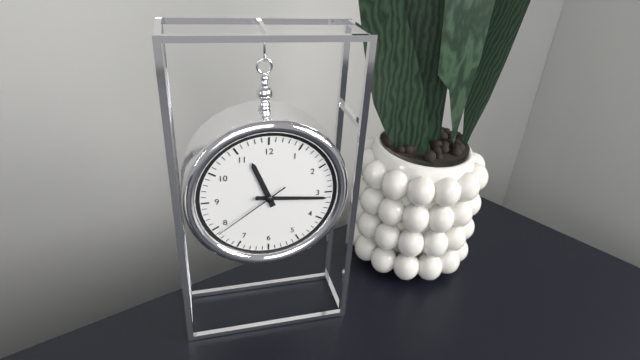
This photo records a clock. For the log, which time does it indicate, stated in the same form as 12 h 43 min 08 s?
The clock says 11 h 16 min 39 s
